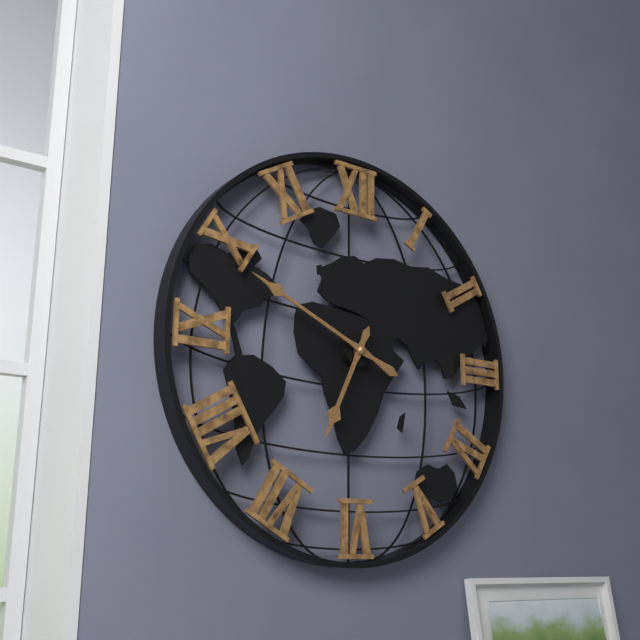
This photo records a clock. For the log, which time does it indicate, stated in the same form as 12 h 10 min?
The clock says 6 h 49 min
